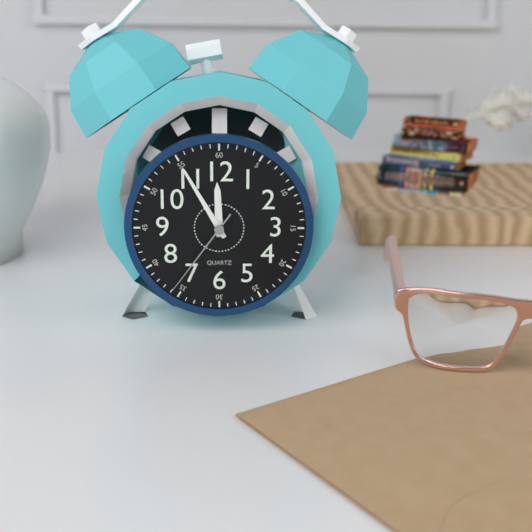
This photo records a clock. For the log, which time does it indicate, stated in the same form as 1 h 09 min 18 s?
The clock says 11 h 55 min 36 s
